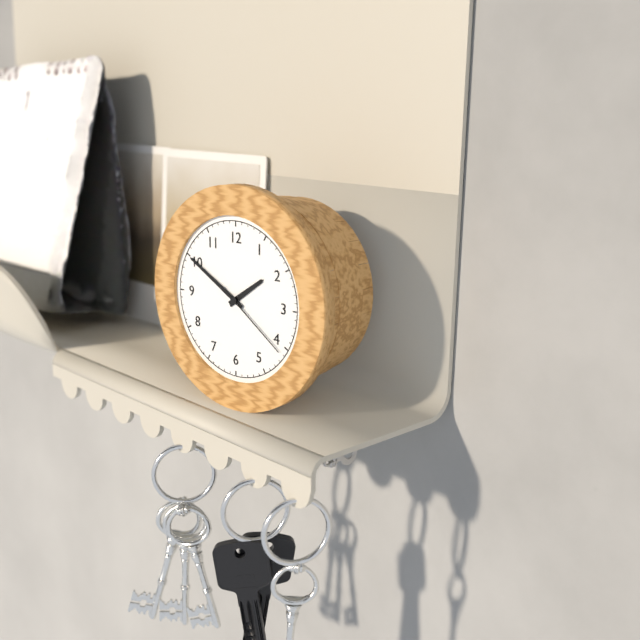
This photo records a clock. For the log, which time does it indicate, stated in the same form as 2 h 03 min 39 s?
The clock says 1 h 50 min 21 s
